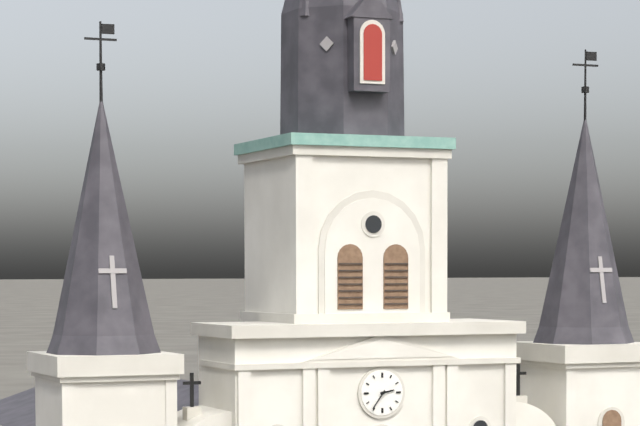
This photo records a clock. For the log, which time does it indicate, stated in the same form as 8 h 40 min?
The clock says 2 h 36 min
